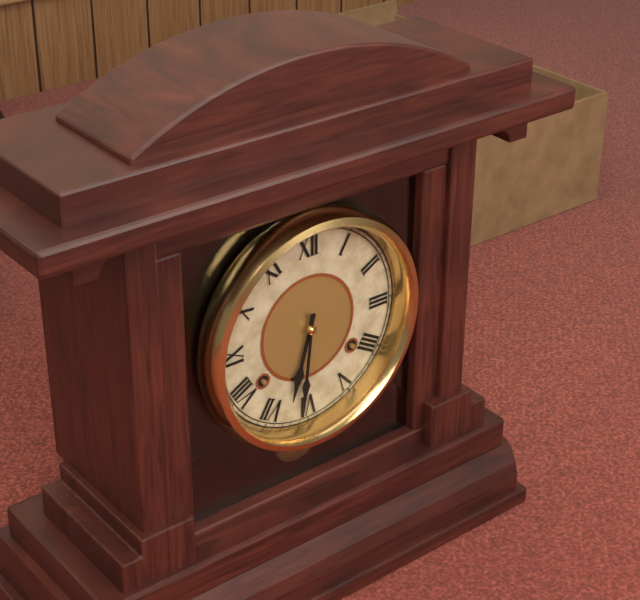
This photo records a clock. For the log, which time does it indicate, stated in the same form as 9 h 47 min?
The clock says 6 h 31 min
